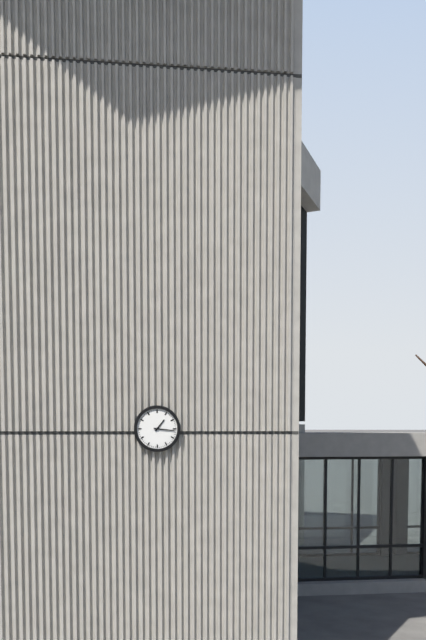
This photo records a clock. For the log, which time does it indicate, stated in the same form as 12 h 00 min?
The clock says 1 h 16 min
